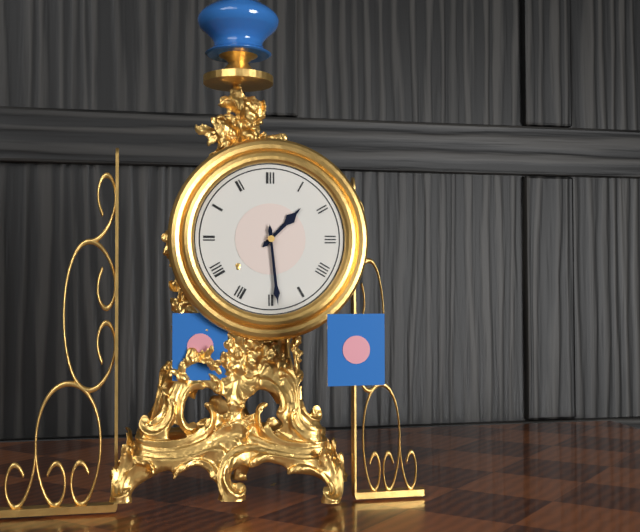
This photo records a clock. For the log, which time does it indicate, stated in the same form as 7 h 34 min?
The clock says 1 h 29 min
